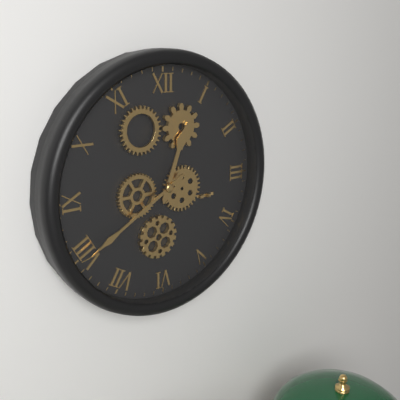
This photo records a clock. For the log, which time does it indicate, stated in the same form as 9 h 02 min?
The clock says 12 h 40 min
